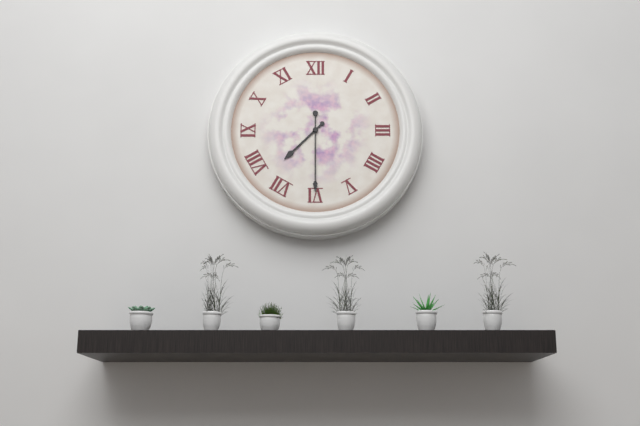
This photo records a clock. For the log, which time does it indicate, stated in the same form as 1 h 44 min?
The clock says 7 h 30 min
